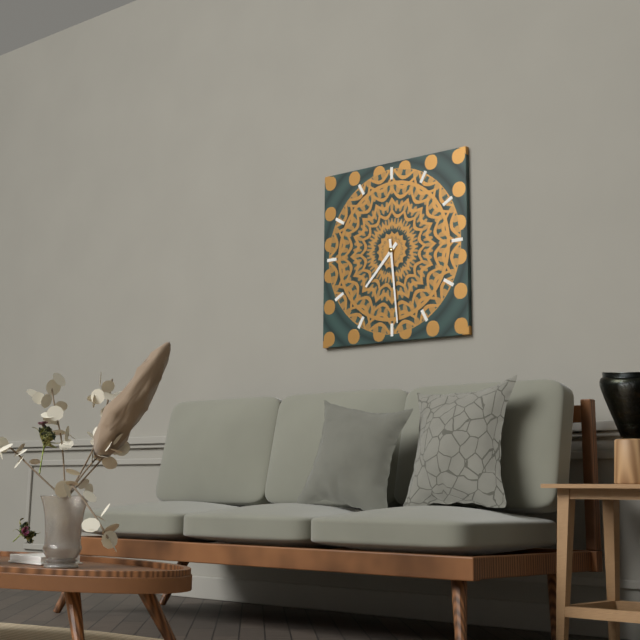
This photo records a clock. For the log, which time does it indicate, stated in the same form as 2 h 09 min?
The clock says 7 h 29 min
